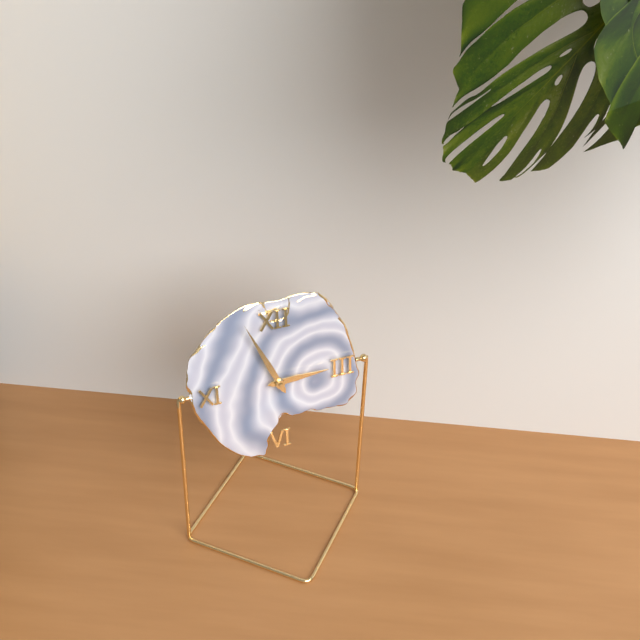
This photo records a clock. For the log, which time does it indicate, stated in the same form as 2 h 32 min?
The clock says 2 h 56 min
